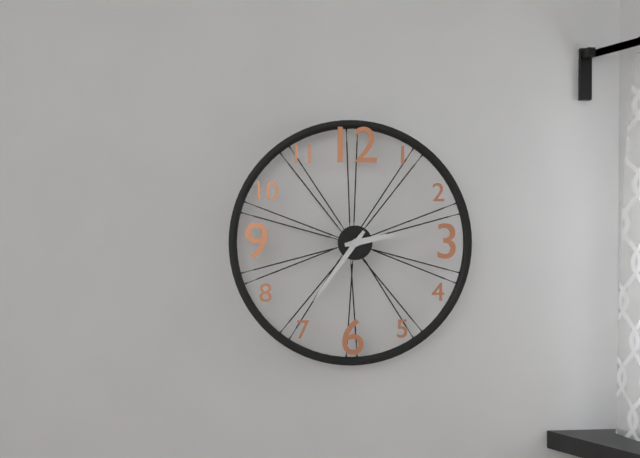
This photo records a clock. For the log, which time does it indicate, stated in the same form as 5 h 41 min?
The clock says 2 h 36 min
